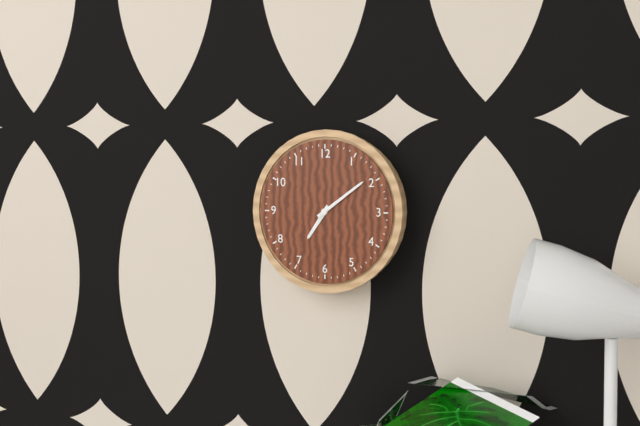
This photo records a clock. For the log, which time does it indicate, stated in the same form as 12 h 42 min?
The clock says 7 h 09 min
